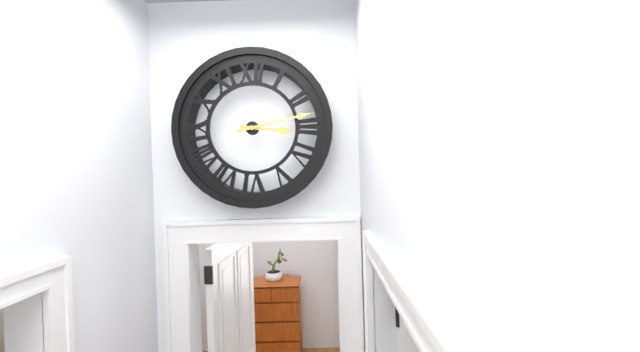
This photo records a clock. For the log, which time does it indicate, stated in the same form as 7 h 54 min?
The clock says 3 h 13 min
